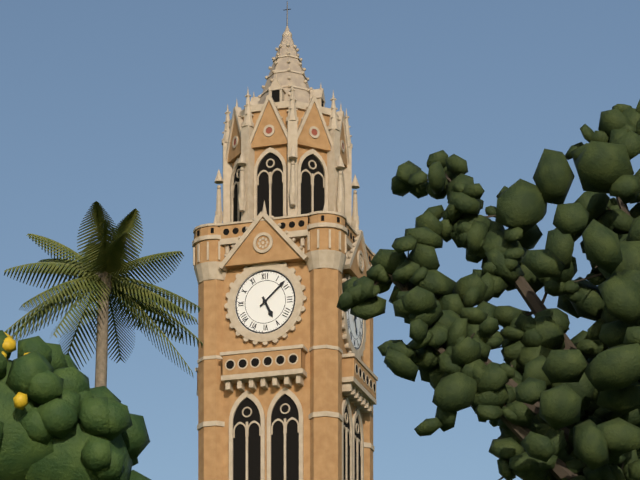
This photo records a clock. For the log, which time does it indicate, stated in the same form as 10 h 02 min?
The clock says 5 h 08 min
